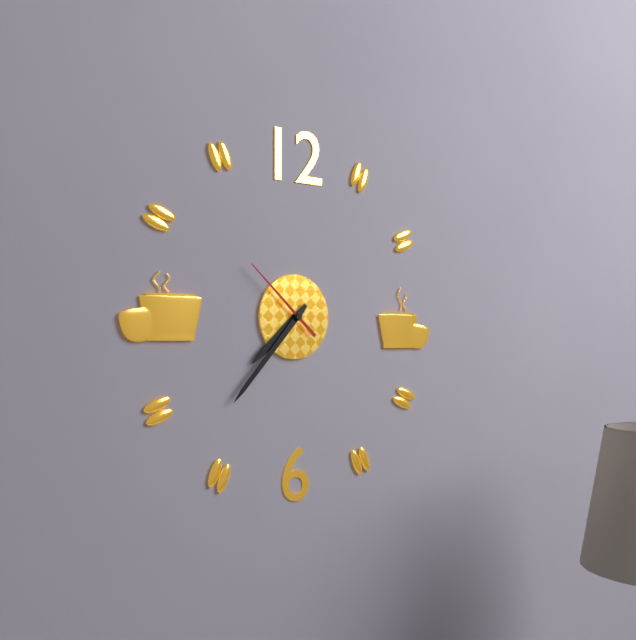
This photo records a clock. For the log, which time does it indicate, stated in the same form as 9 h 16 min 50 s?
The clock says 7 h 37 min 52 s
